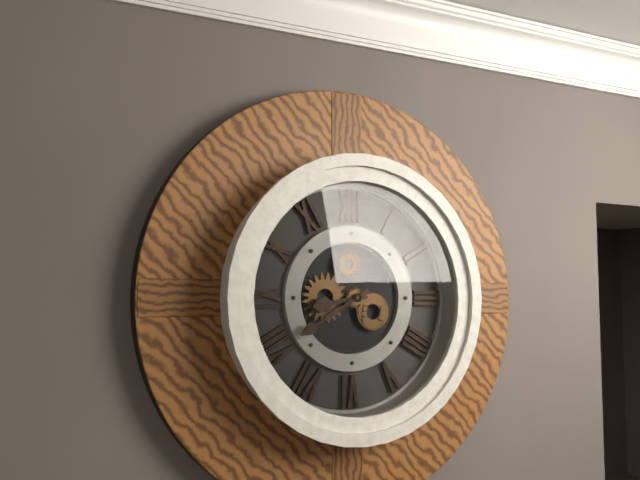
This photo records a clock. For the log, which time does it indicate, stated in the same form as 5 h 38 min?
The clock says 8 h 40 min
